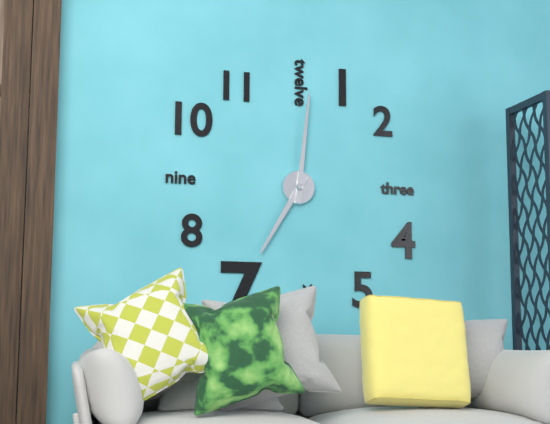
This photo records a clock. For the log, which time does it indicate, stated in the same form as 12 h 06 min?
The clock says 7 h 01 min
